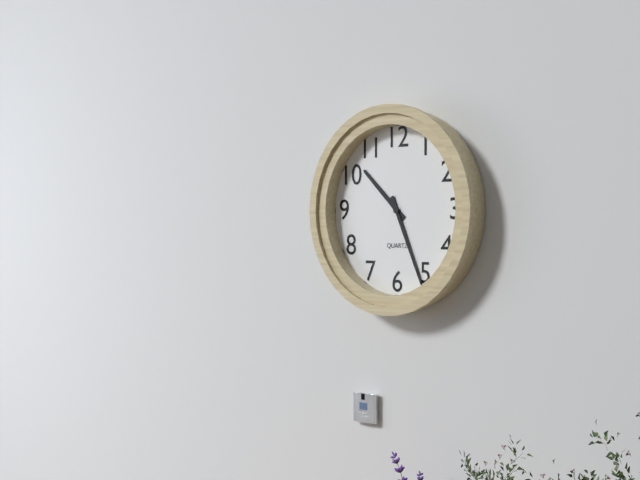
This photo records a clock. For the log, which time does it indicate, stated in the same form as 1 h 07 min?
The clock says 10 h 26 min
